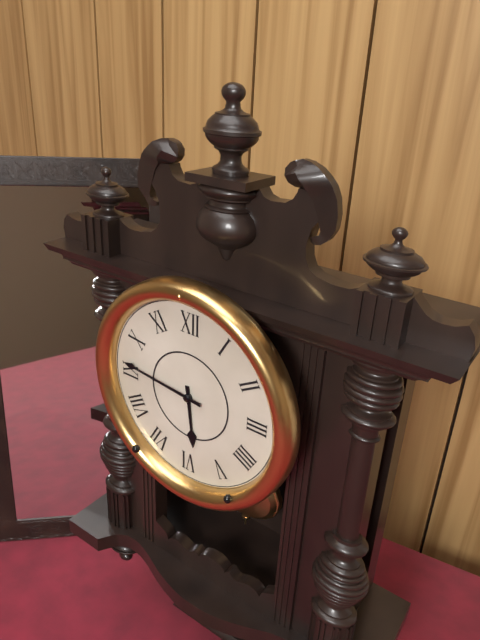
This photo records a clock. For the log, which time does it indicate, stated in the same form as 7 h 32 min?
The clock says 5 h 46 min
